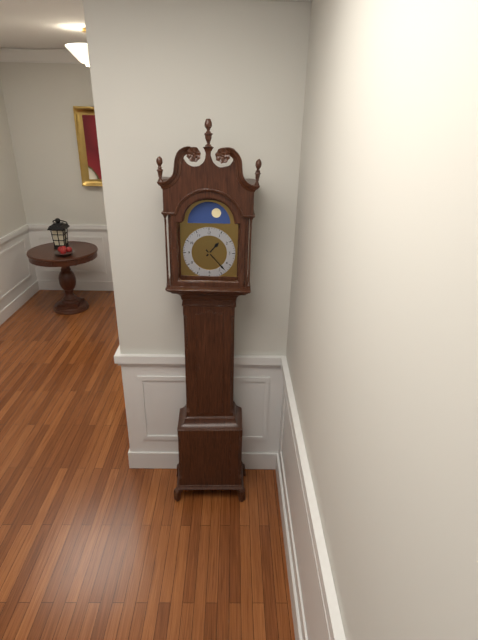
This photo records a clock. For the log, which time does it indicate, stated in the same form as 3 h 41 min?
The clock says 1 h 23 min
